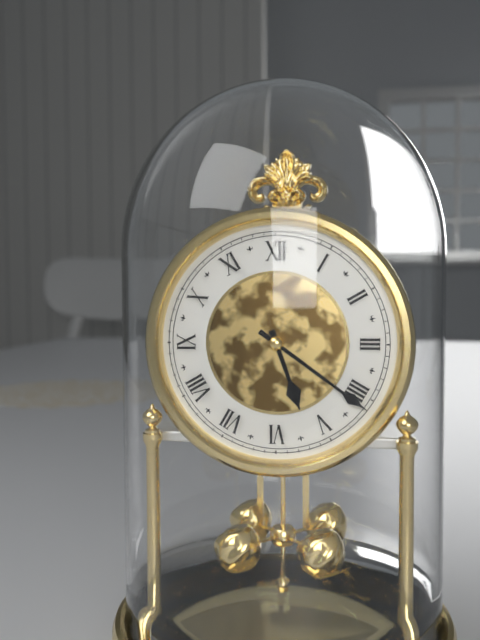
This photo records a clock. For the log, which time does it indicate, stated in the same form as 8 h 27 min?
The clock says 5 h 21 min
